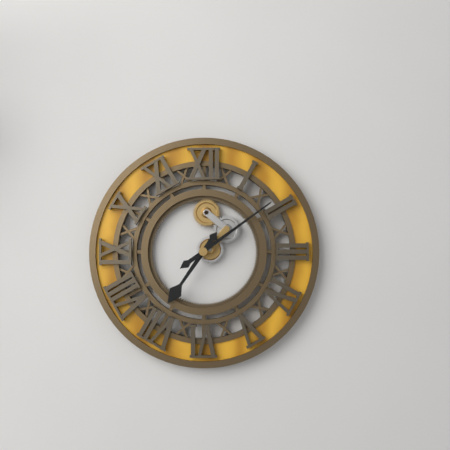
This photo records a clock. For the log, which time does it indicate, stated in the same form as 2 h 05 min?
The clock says 7 h 09 min
